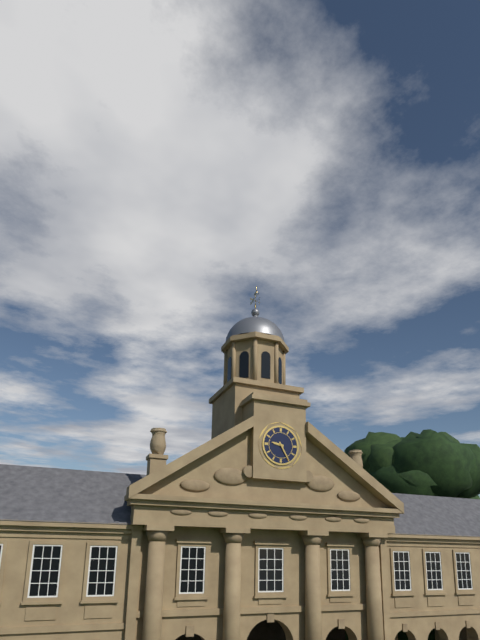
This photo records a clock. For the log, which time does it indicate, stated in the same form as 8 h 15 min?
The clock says 9 h 25 min
